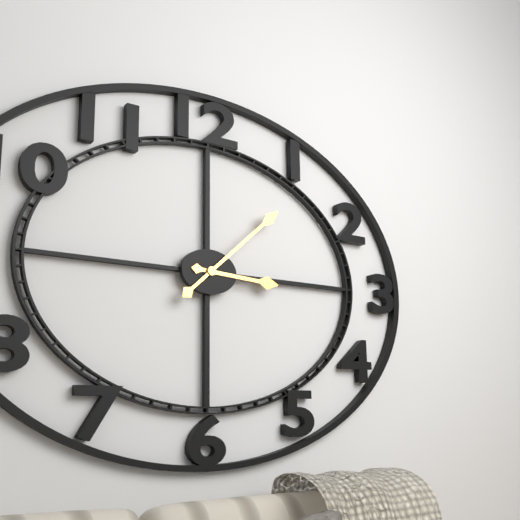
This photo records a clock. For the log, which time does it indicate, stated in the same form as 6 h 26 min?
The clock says 3 h 08 min
